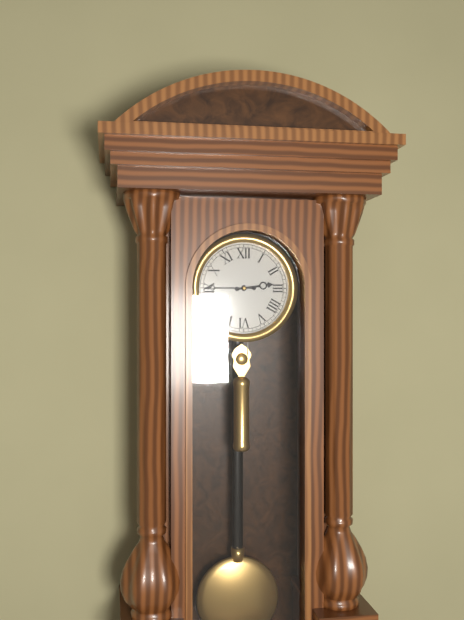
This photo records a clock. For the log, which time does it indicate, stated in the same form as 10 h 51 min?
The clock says 2 h 45 min
